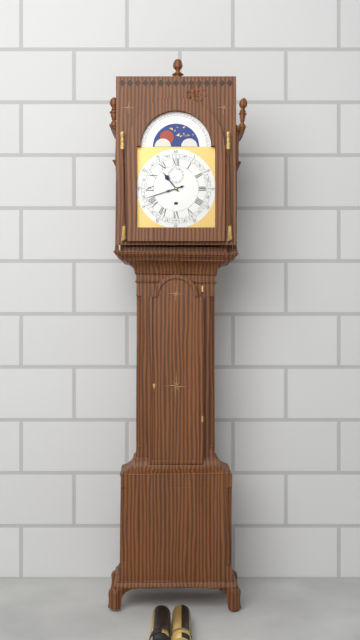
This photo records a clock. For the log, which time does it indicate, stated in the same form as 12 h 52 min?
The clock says 10 h 42 min
